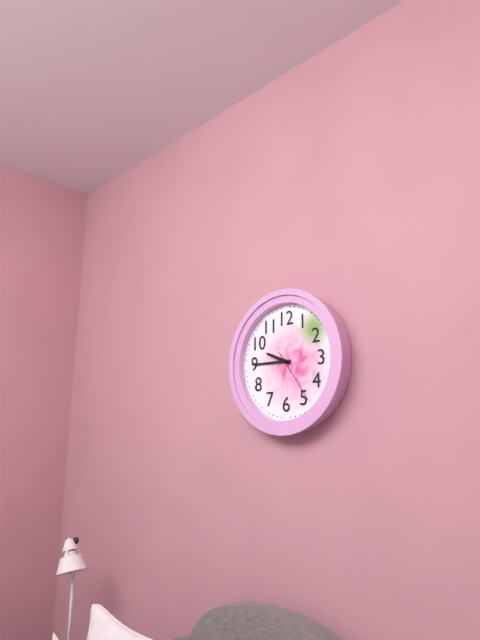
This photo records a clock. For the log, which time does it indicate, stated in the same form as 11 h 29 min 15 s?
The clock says 9 h 45 min 24 s
